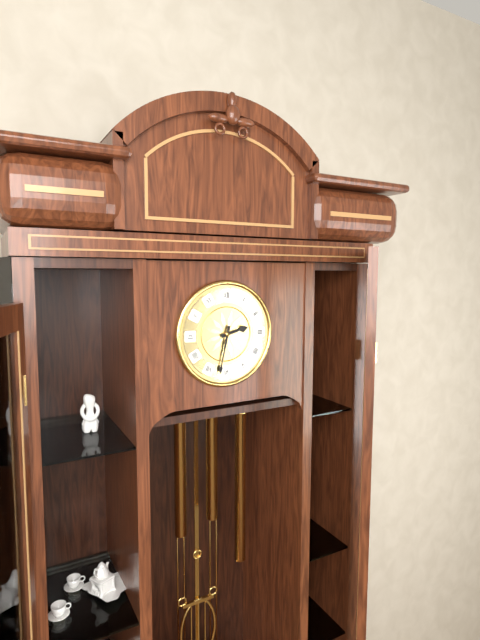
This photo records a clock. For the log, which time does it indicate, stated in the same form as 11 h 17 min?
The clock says 2 h 32 min
